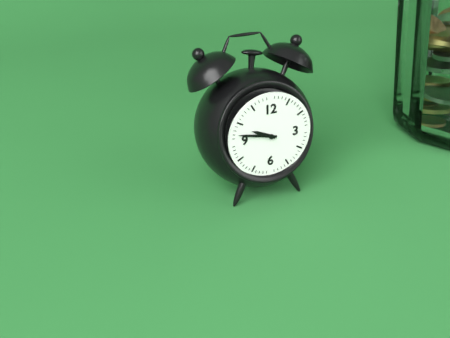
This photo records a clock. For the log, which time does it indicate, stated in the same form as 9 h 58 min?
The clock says 9 h 47 min
